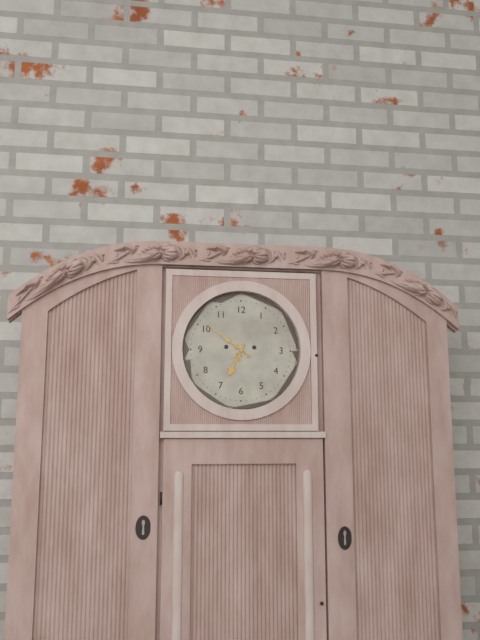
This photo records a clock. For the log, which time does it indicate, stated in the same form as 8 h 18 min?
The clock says 6 h 51 min
